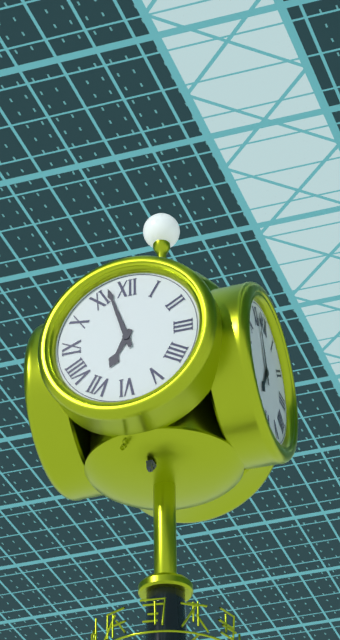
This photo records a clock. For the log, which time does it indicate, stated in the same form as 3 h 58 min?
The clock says 6 h 57 min
